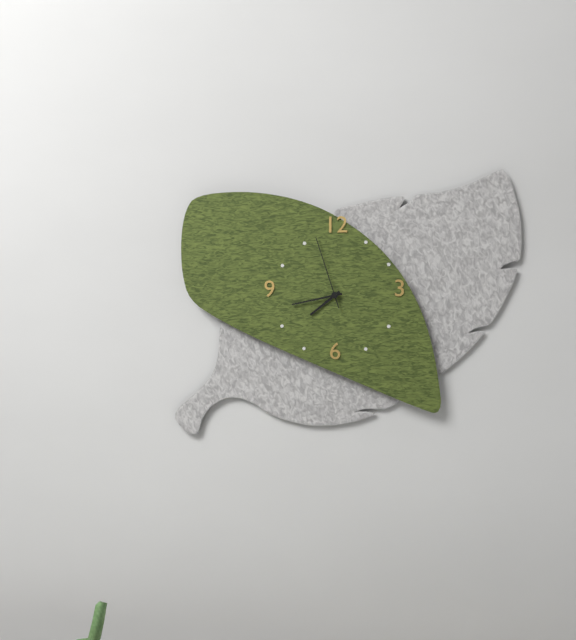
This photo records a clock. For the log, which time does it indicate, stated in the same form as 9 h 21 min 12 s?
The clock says 7 h 43 min 57 s
